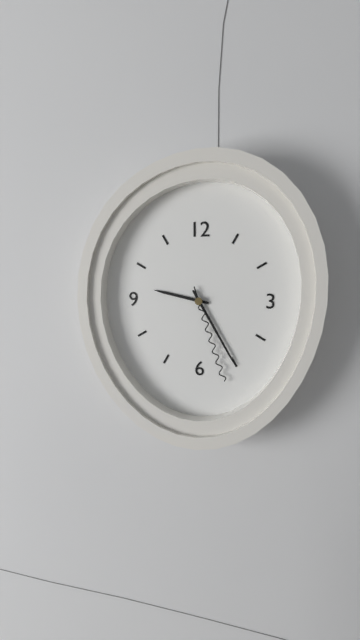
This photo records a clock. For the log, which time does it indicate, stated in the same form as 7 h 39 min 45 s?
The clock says 9 h 25 min 27 s
